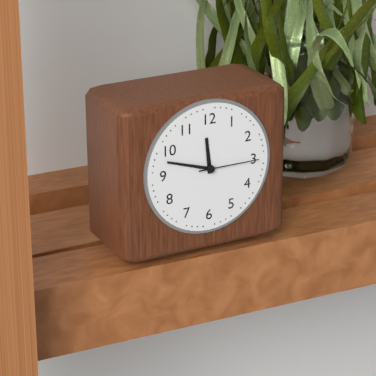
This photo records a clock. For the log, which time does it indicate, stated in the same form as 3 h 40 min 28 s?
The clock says 11 h 48 min 15 s
